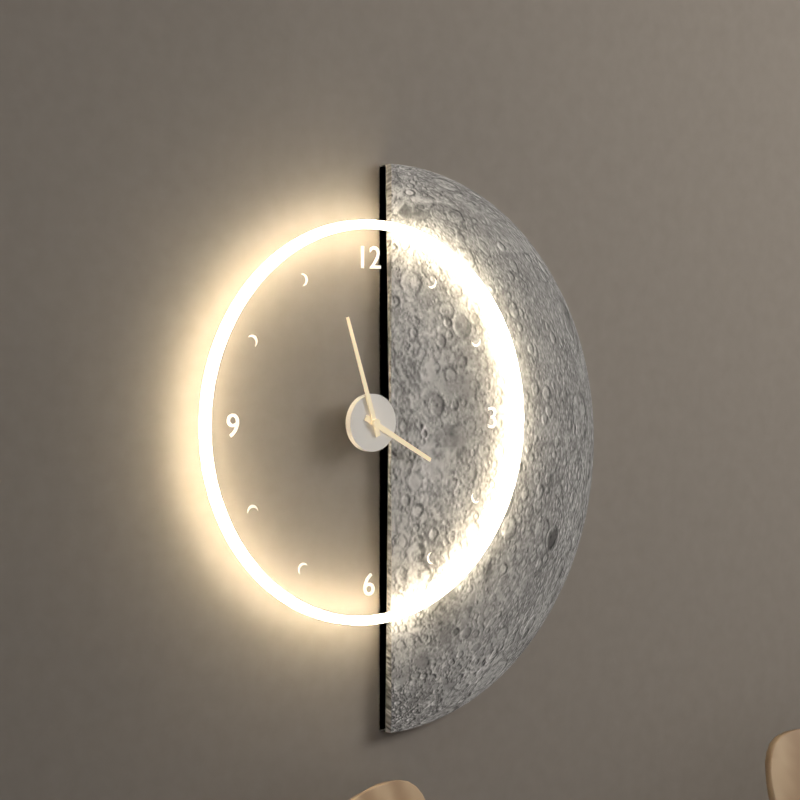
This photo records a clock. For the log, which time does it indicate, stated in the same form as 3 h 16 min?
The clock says 3 h 57 min
